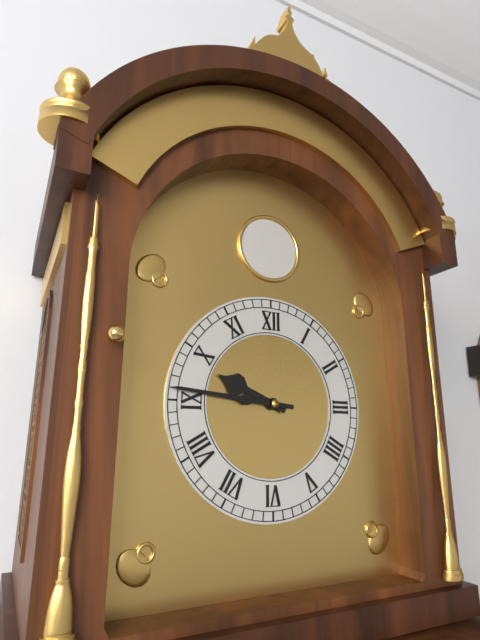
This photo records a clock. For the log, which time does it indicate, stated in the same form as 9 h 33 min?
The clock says 9 h 46 min
